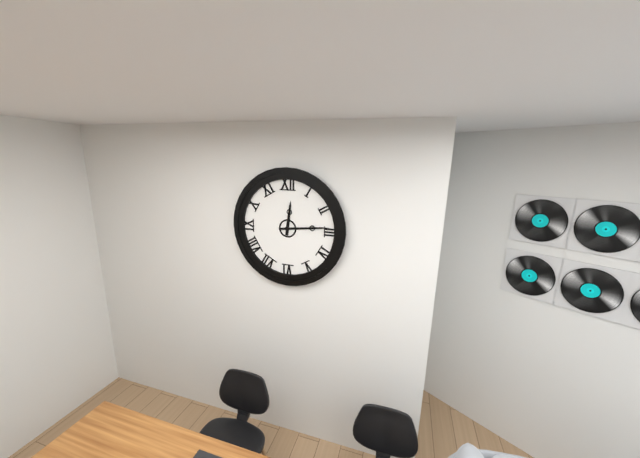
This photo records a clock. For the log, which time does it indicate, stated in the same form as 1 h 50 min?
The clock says 12 h 14 min
